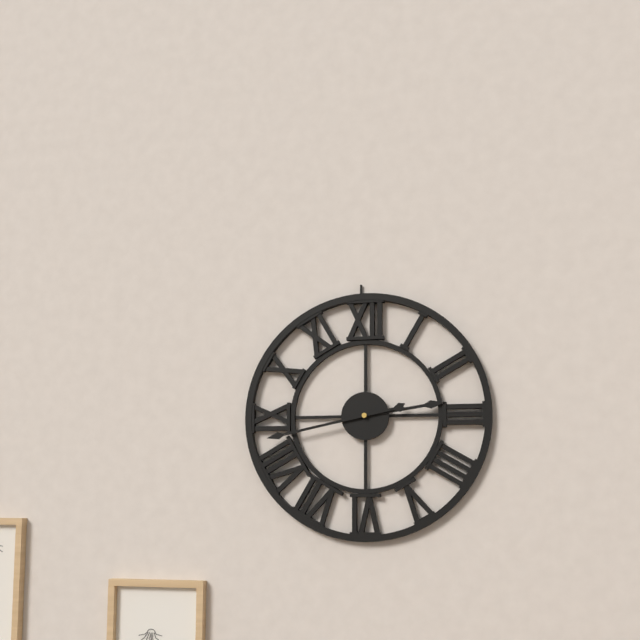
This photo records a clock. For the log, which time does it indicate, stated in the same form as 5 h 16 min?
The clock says 2 h 43 min
